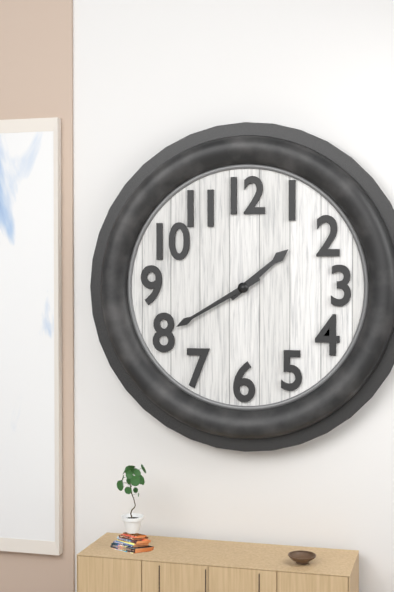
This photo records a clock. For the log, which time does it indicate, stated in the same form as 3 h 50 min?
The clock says 1 h 40 min
